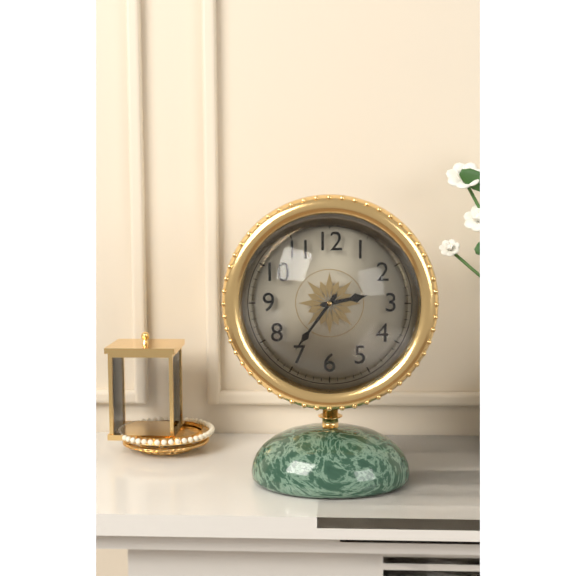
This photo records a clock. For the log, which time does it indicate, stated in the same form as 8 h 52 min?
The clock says 2 h 36 min
